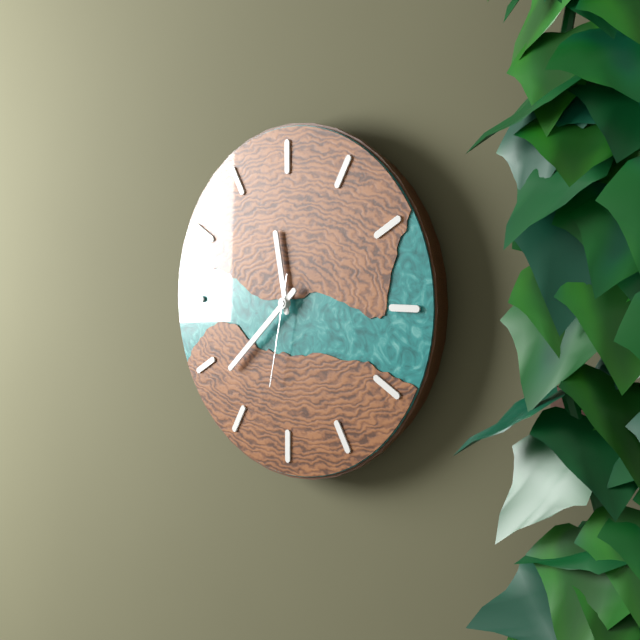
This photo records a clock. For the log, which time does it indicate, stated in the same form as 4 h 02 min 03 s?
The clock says 11 h 38 min 32 s
